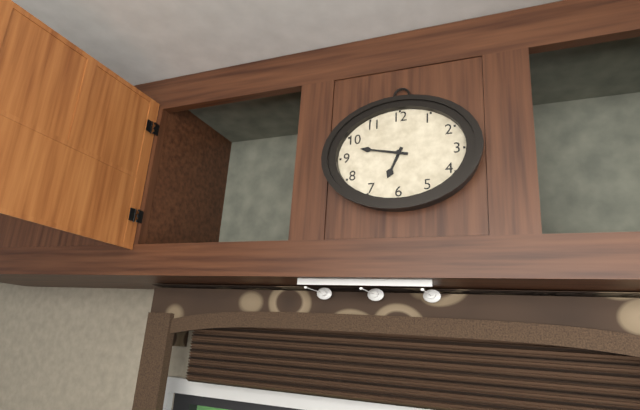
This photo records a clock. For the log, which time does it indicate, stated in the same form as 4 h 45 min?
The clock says 6 h 47 min
